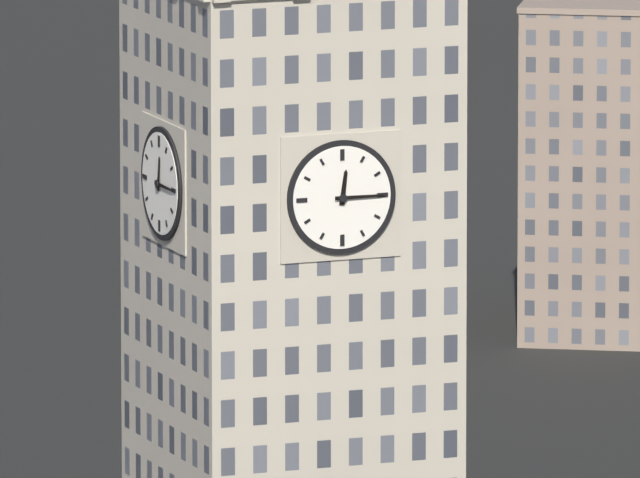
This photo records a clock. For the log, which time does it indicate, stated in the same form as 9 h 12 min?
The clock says 12 h 15 min
